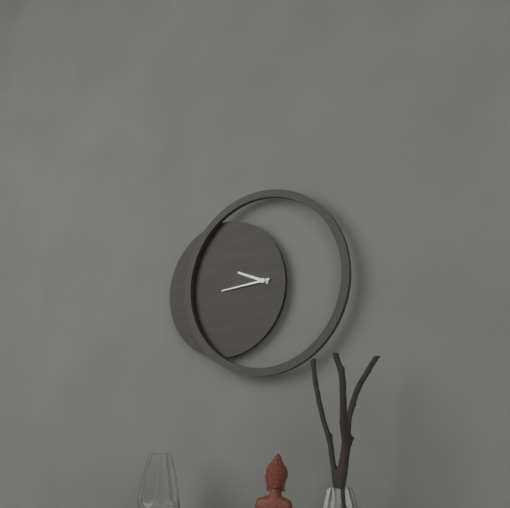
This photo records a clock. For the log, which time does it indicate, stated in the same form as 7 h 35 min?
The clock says 9 h 44 min
